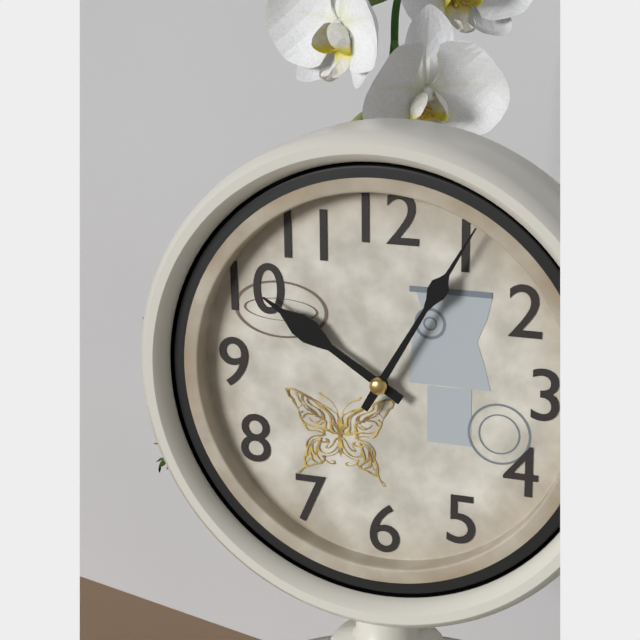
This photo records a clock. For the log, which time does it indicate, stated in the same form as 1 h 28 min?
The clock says 10 h 05 min
